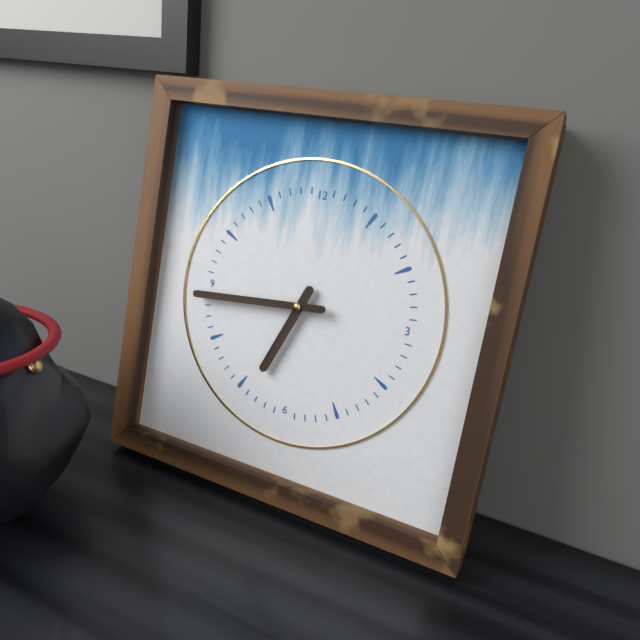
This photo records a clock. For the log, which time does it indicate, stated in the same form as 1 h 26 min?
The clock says 6 h 44 min
